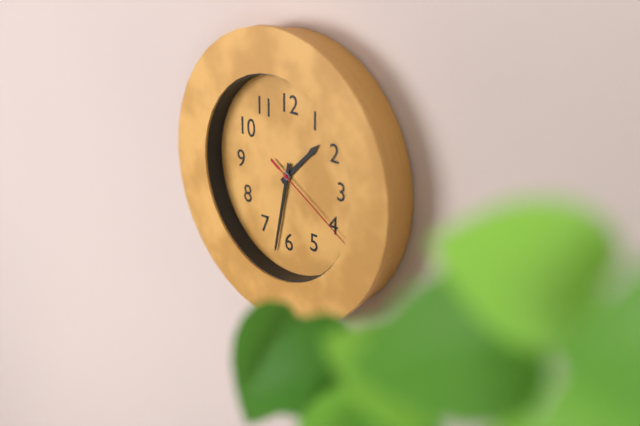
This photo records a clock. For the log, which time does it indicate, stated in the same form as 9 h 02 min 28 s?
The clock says 1 h 32 min 20 s
